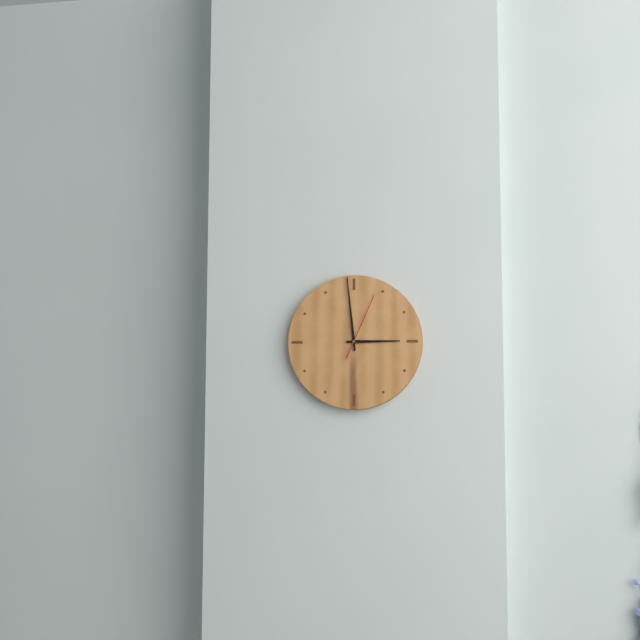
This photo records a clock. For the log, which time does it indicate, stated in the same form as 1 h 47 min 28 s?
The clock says 2 h 59 min 04 s
